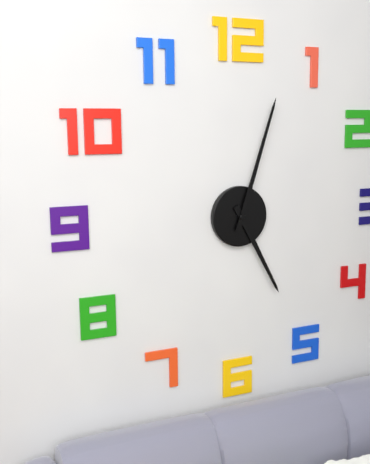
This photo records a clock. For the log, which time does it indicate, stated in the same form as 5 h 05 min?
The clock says 5 h 03 min
